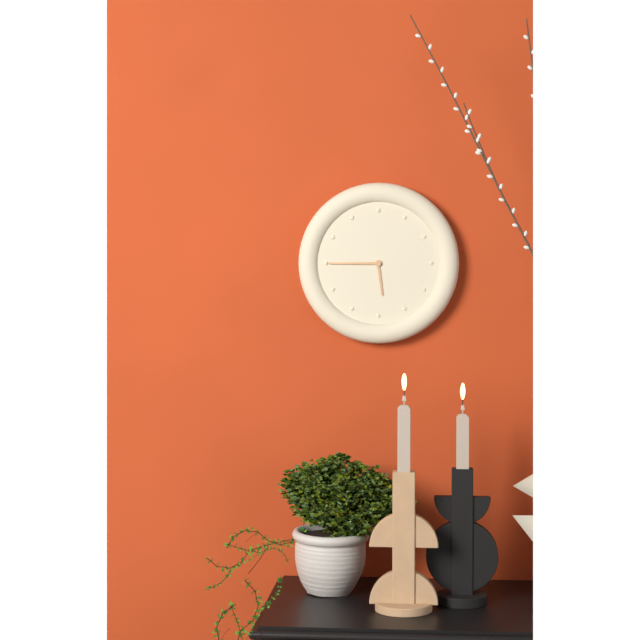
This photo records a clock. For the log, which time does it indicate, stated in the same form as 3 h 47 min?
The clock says 5 h 45 min
